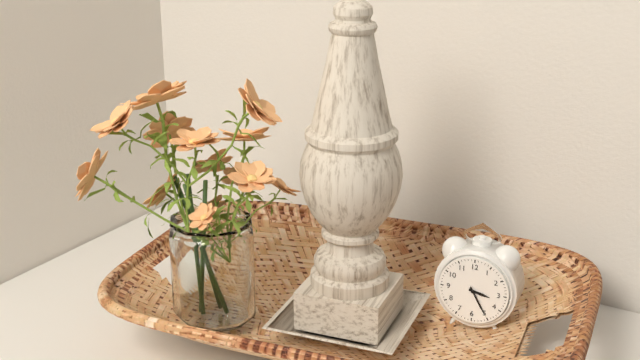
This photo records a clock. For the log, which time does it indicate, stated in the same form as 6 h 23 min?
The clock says 3 h 25 min
